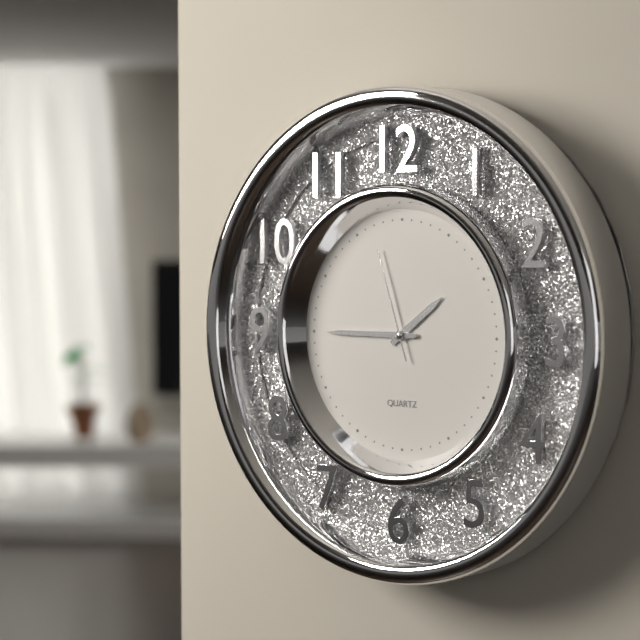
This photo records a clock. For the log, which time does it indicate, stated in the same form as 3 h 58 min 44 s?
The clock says 1 h 45 min 57 s
